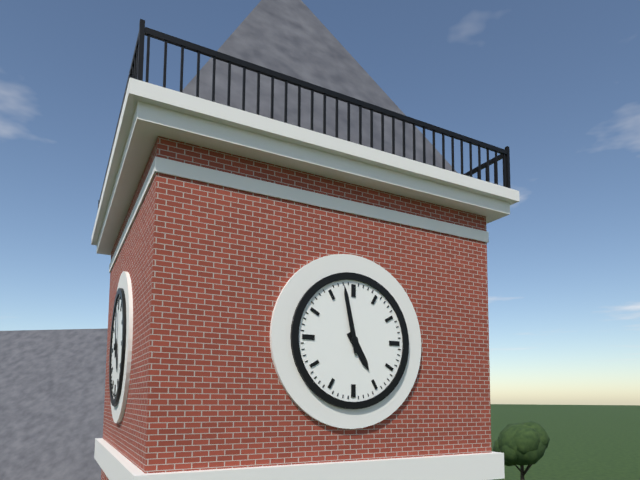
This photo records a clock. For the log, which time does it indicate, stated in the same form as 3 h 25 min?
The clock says 4 h 58 min
